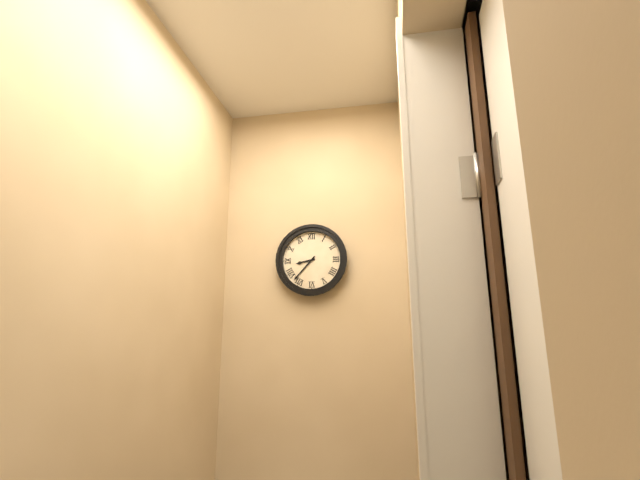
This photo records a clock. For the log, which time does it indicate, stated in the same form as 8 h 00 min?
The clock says 8 h 37 min
